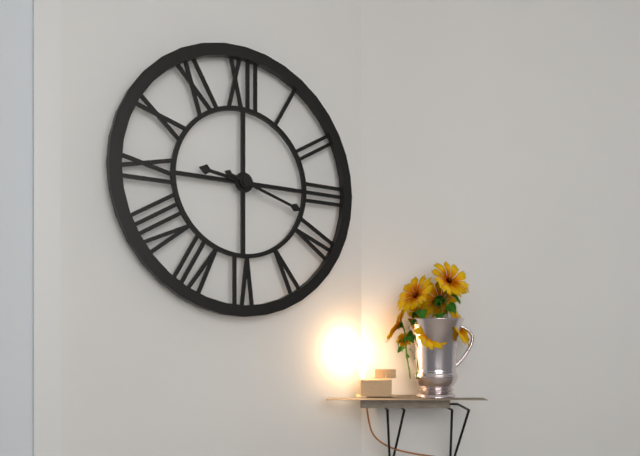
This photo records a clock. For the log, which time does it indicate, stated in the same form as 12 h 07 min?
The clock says 9 h 18 min
